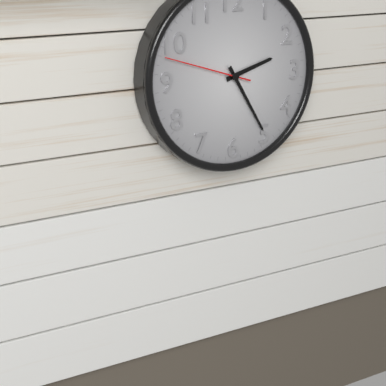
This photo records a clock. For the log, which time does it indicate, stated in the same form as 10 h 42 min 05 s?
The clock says 2 h 25 min 48 s
